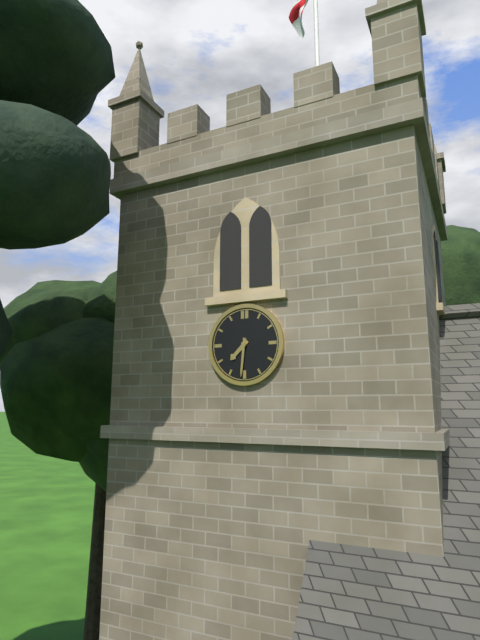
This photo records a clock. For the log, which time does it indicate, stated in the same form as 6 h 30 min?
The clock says 7 h 31 min
